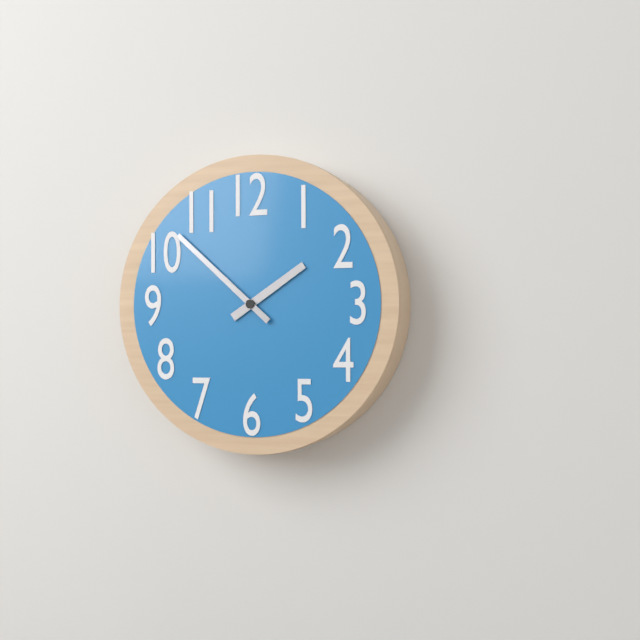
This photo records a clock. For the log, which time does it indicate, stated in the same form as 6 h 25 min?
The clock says 1 h 52 min
